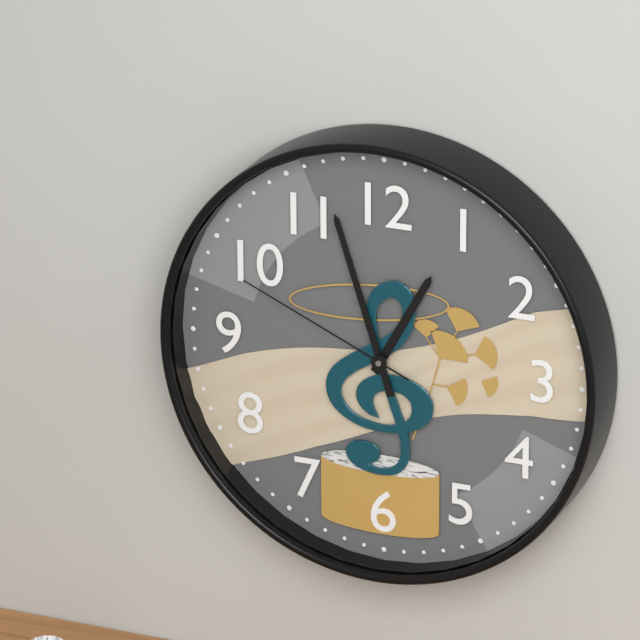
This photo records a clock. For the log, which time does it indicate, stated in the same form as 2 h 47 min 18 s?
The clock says 12 h 57 min 49 s
